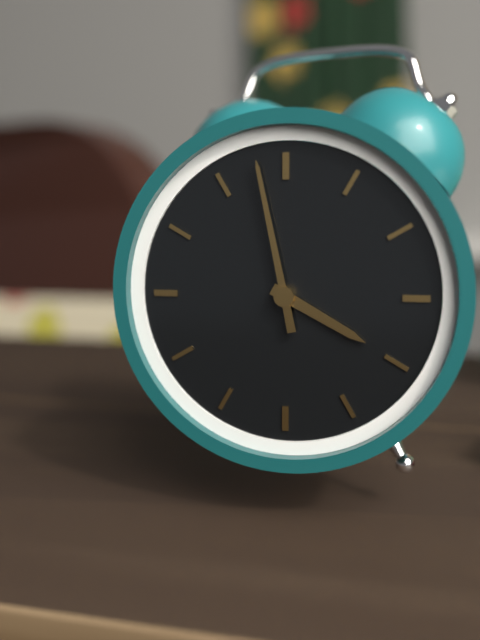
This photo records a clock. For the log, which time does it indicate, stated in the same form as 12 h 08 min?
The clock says 3 h 58 min
